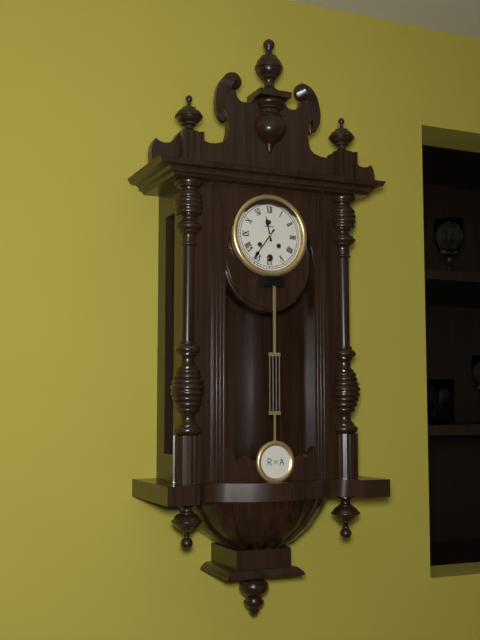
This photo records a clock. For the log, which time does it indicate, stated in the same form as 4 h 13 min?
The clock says 11 h 36 min
